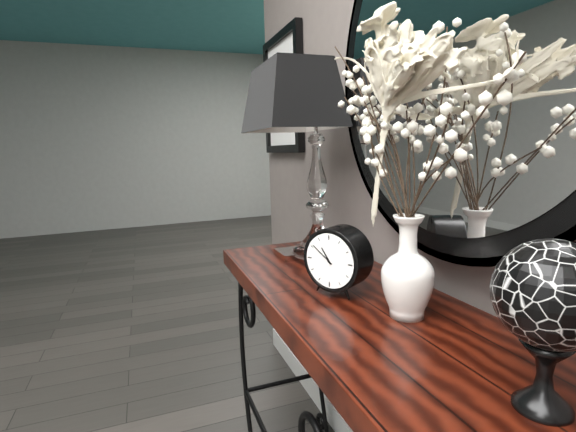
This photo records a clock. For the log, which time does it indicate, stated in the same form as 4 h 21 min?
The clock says 10 h 51 min
